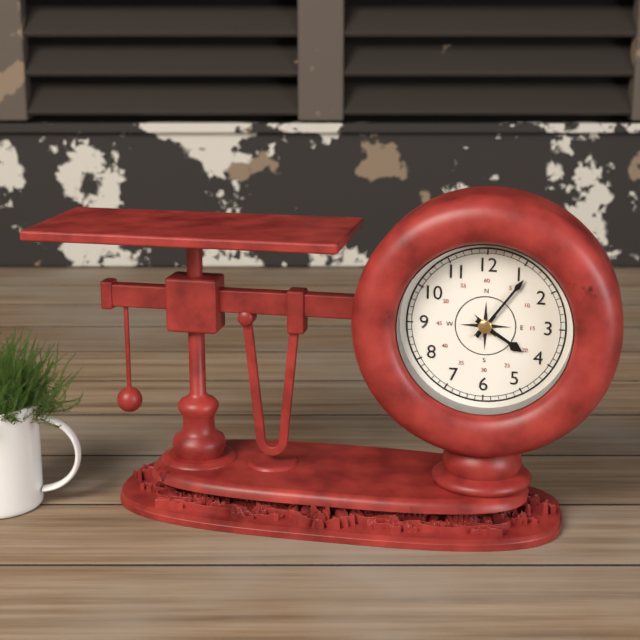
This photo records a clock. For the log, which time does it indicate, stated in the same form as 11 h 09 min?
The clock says 4 h 06 min
